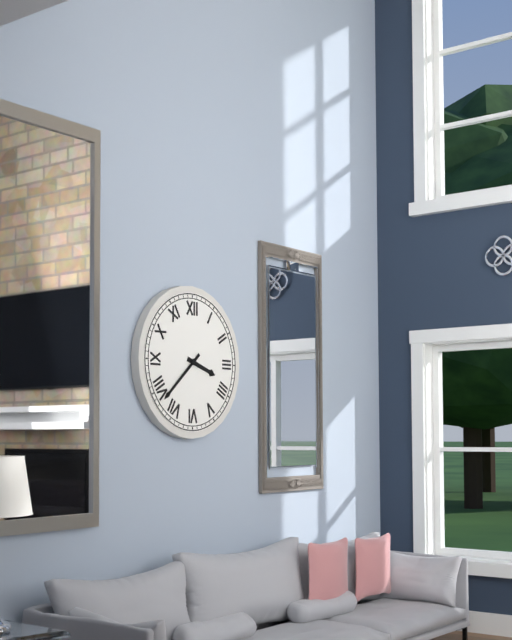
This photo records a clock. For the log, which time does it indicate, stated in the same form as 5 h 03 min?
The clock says 3 h 38 min
